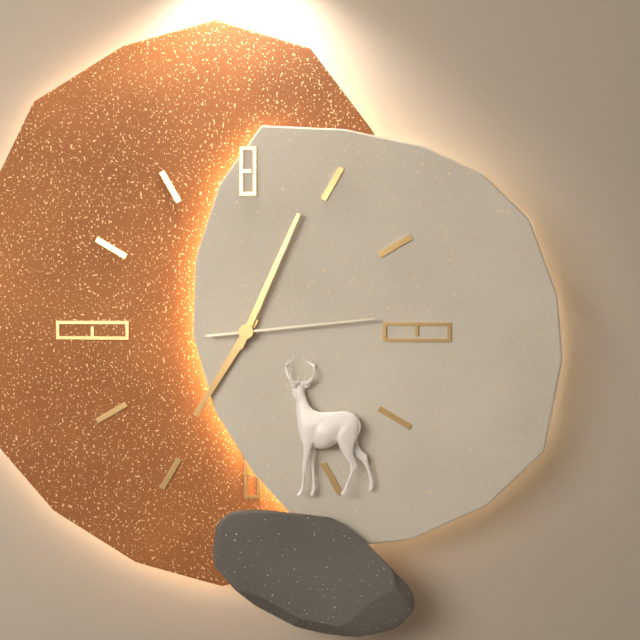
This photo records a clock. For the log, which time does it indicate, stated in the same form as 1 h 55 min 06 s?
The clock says 7 h 04 min 14 s
